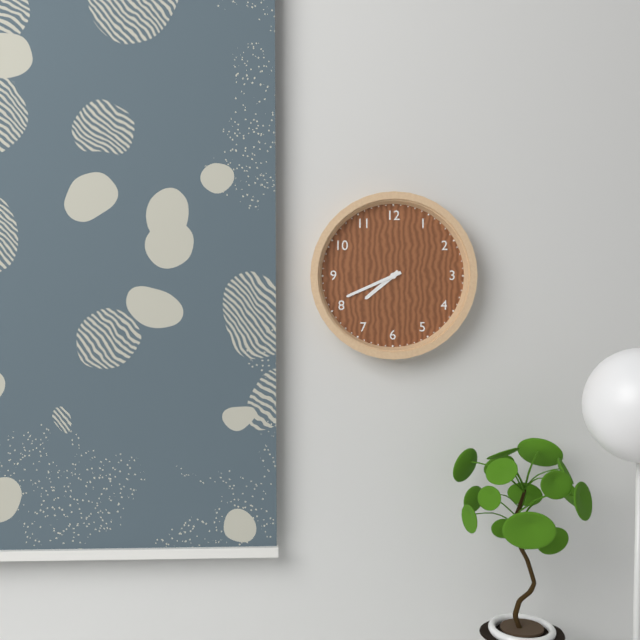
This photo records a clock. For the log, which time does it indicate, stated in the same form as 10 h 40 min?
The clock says 7 h 41 min
